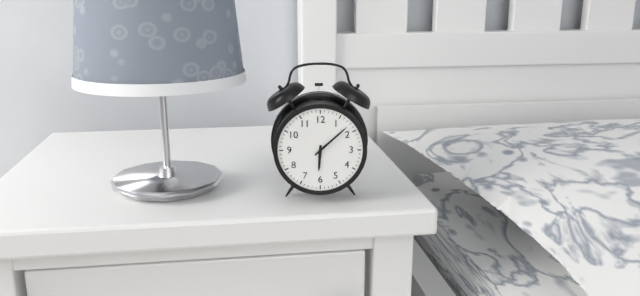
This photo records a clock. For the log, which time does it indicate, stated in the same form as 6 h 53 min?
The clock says 6 h 08 min
